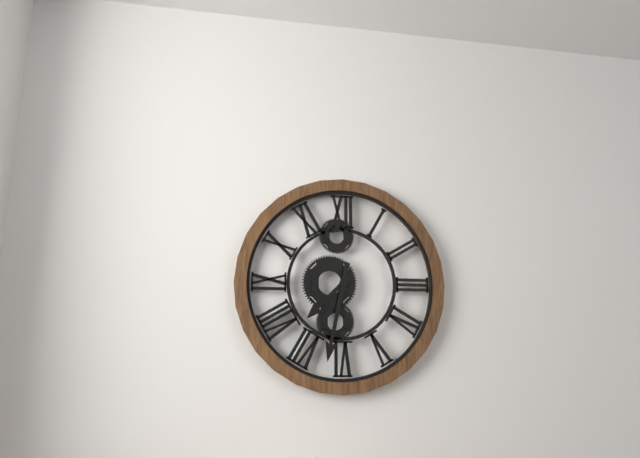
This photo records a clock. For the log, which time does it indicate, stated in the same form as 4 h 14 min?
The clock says 7 h 32 min
